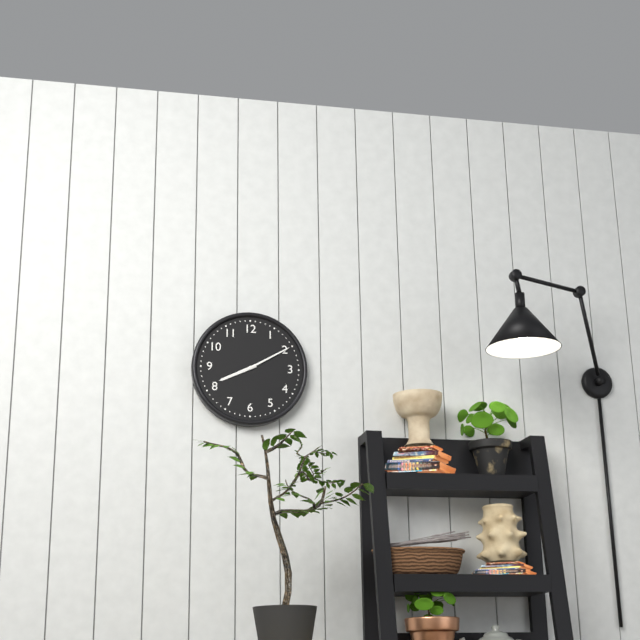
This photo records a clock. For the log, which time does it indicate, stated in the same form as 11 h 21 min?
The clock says 8 h 10 min
